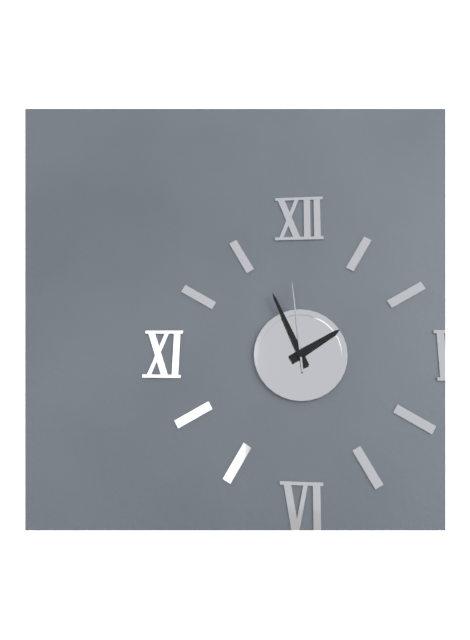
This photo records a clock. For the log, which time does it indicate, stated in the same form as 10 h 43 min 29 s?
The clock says 1 h 56 min 59 s
